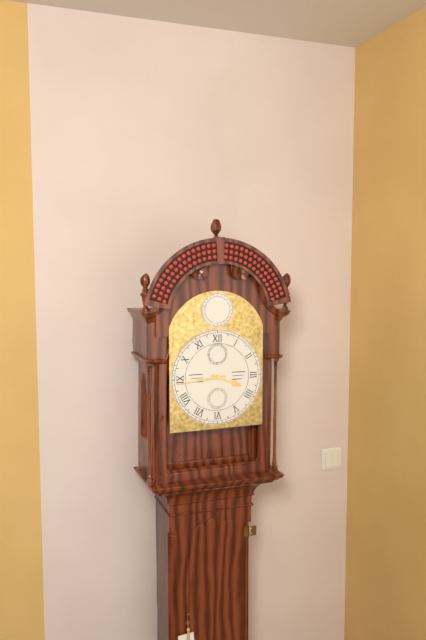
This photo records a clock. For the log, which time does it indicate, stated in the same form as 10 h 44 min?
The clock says 3 h 44 min
